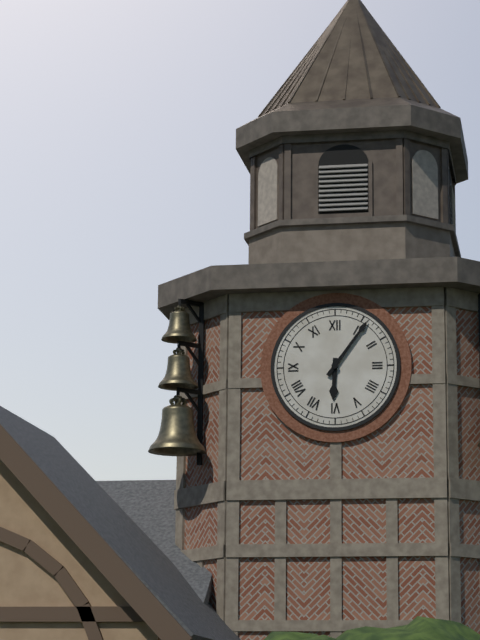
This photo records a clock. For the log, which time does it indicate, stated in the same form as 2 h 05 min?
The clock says 6 h 06 min
